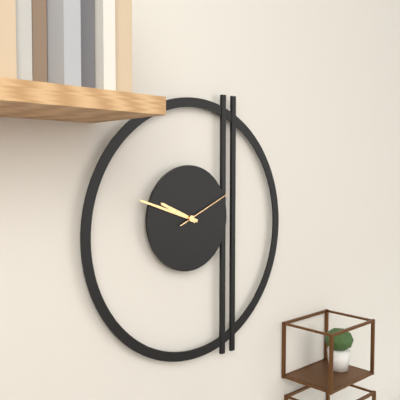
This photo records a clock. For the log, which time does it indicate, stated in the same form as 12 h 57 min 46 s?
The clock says 9 h 48 min 11 s
